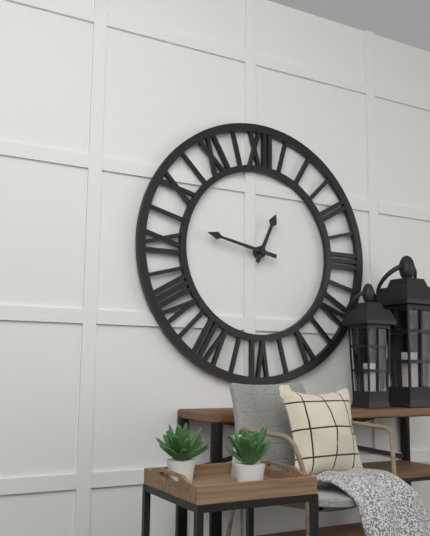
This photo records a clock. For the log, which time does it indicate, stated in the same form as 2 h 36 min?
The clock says 12 h 47 min
